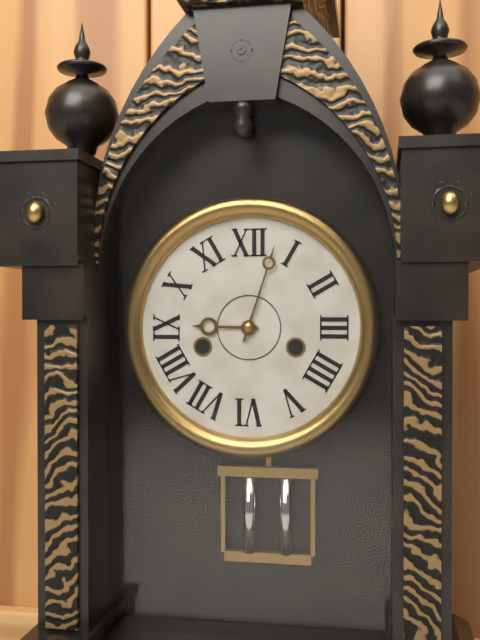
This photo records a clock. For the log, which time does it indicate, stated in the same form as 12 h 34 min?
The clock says 9 h 03 min
